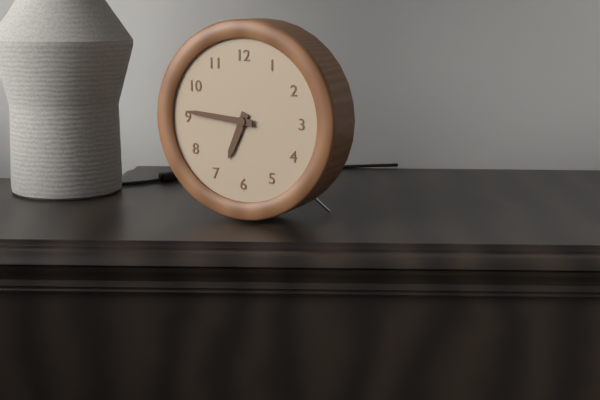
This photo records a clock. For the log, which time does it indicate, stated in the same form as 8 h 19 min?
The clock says 6 h 46 min
